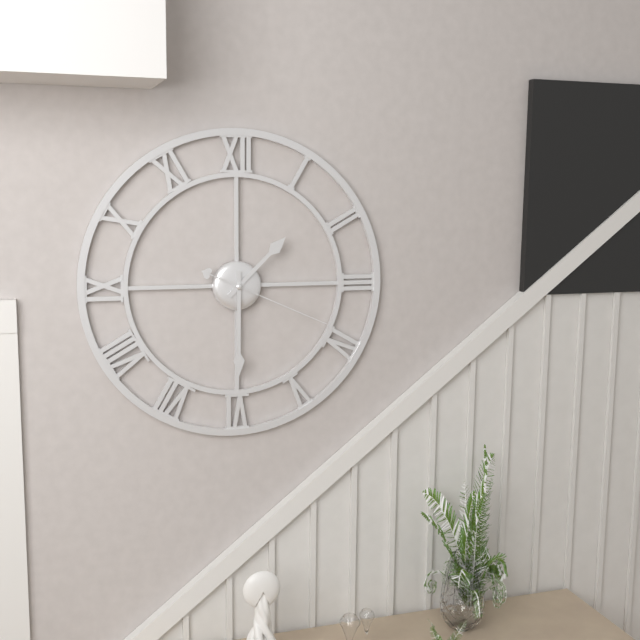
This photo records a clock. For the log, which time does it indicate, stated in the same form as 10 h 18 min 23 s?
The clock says 1 h 30 min 19 s
